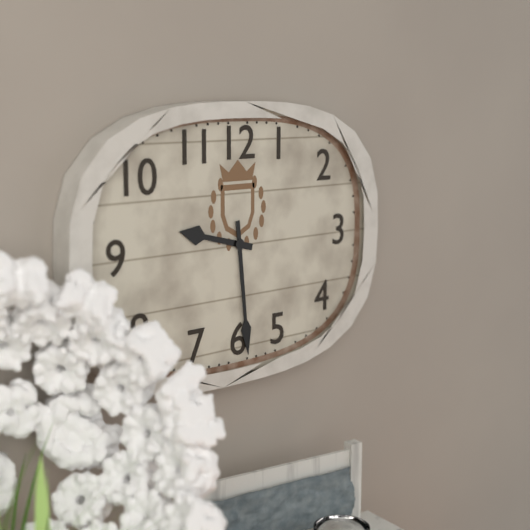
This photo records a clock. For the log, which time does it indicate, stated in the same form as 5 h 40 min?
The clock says 9 h 29 min
